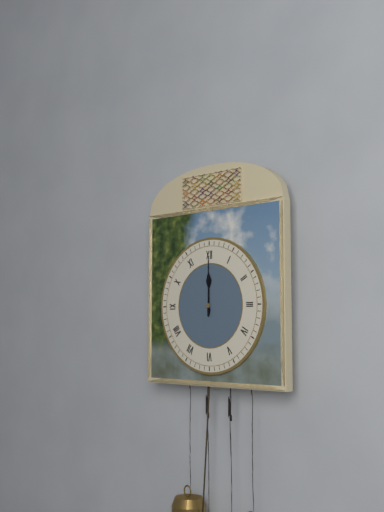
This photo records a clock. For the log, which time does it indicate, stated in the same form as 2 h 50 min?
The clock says 12 h 00 min
